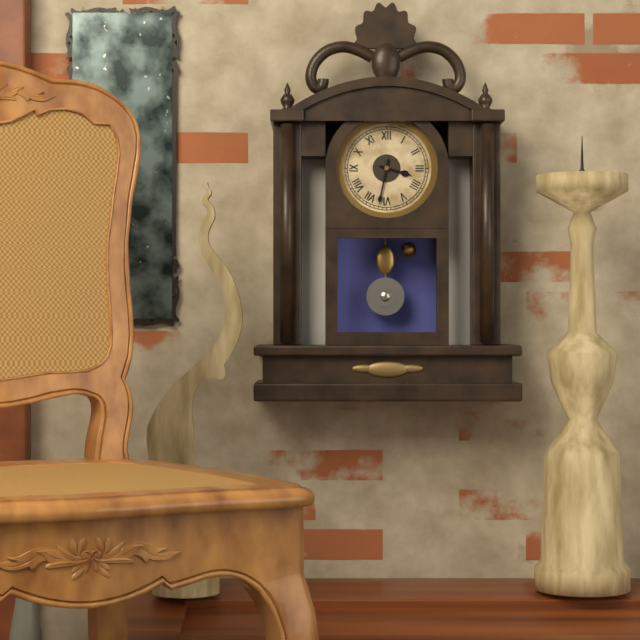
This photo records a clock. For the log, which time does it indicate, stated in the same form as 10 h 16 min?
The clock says 3 h 32 min
